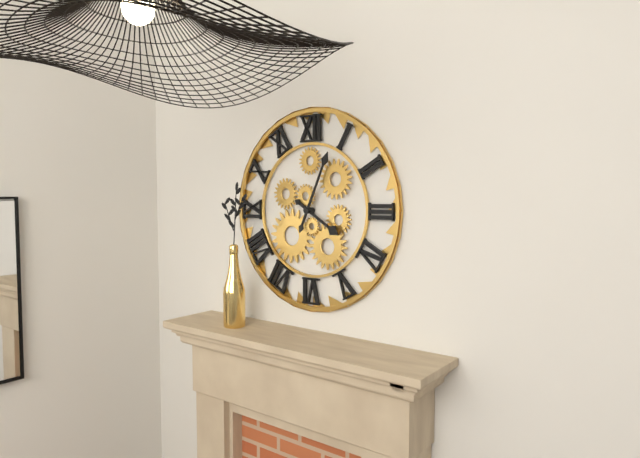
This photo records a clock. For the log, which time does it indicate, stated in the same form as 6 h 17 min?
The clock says 4 h 04 min
